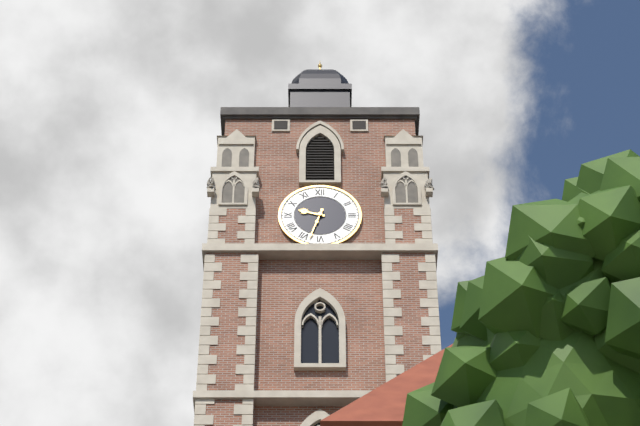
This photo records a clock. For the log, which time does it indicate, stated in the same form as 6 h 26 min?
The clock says 9 h 33 min
